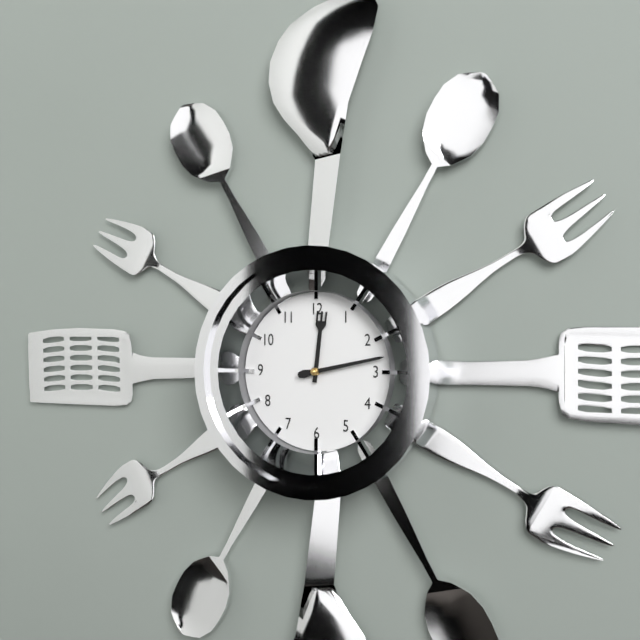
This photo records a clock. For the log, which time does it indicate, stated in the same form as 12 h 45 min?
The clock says 12 h 13 min
